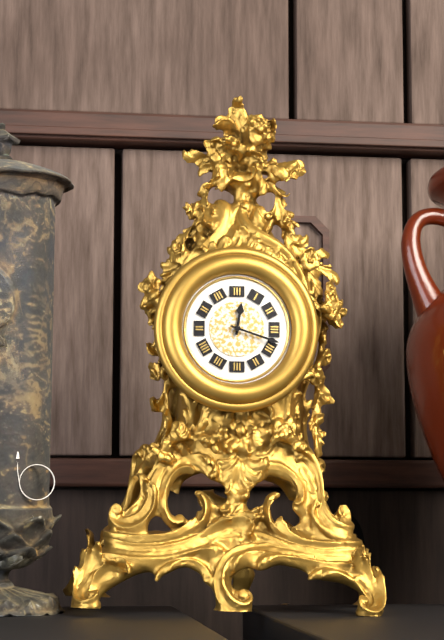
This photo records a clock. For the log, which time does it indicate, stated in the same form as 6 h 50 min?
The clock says 12 h 18 min
